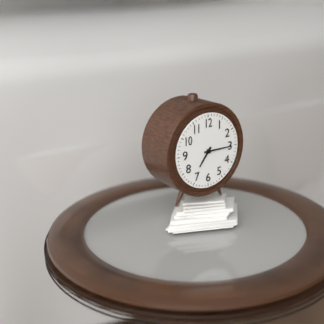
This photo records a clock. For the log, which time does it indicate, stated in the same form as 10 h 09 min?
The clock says 7 h 15 min
